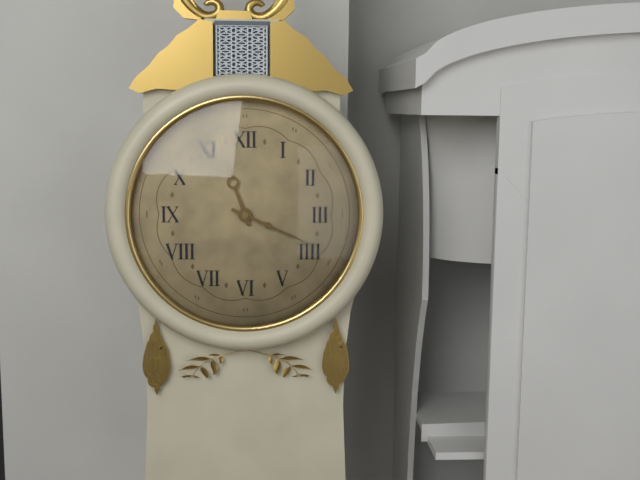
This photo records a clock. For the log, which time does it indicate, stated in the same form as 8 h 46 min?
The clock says 11 h 19 min
